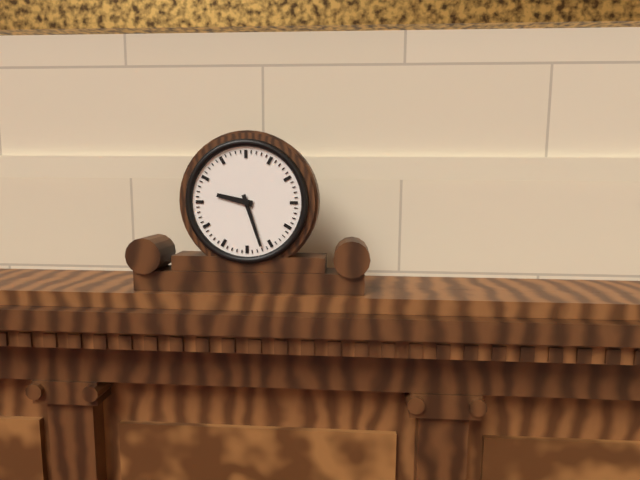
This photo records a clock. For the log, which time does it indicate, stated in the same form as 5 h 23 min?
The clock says 9 h 27 min
